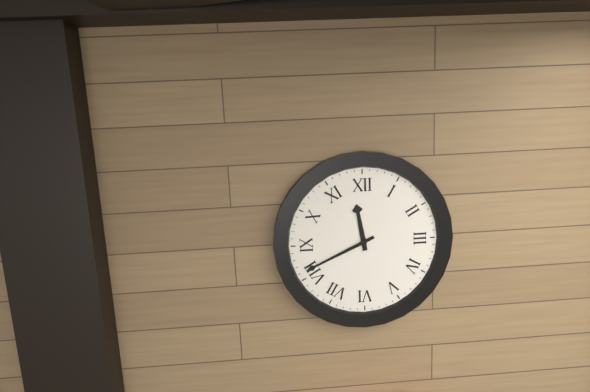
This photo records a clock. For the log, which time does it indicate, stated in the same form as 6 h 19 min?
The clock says 11 h 41 min
